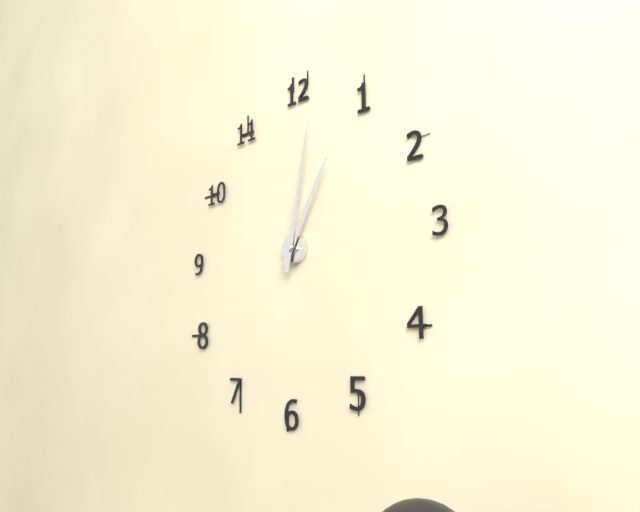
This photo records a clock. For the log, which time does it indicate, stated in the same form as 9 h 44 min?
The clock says 1 h 02 min
